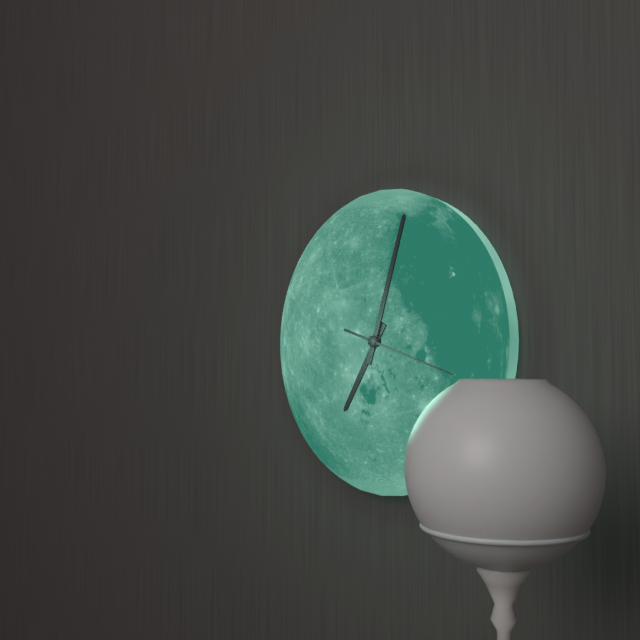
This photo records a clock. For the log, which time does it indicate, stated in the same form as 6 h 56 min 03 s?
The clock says 7 h 03 min 18 s
